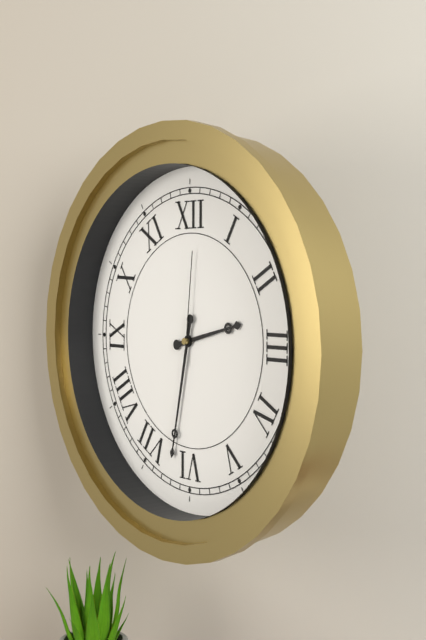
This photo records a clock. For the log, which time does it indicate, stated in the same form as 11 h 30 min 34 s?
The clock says 2 h 32 min 01 s
